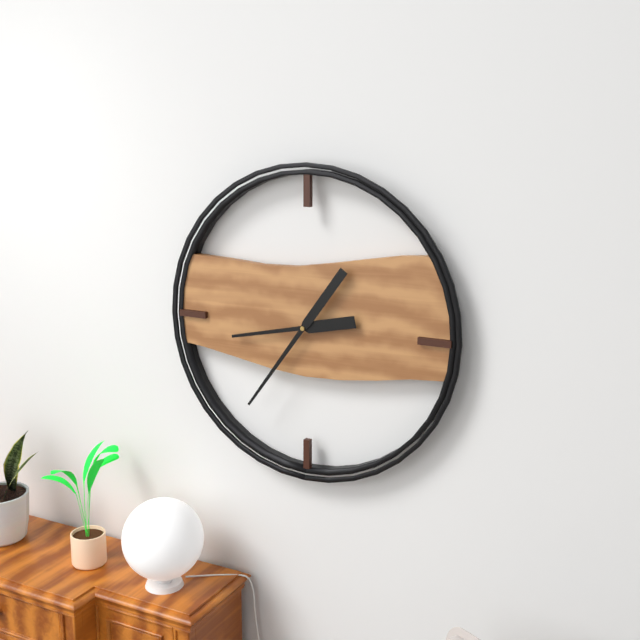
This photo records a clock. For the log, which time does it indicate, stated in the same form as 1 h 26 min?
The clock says 8 h 36 min
